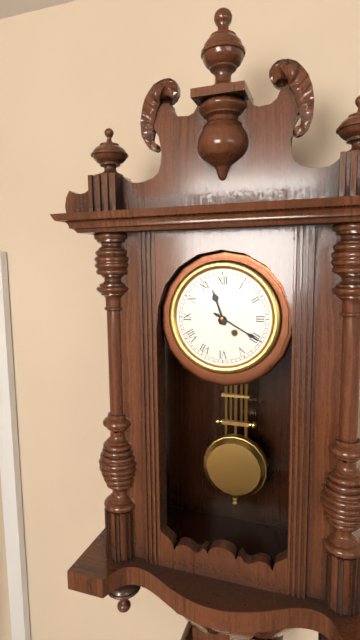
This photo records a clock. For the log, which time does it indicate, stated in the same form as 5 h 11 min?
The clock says 11 h 20 min
